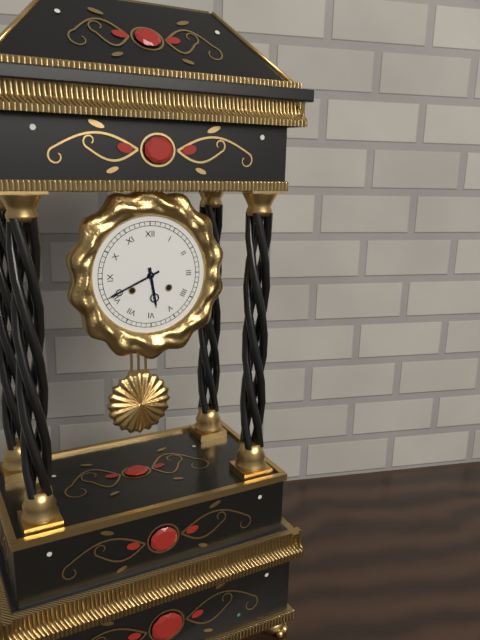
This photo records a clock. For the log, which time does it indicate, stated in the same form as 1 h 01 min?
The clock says 5 h 41 min
